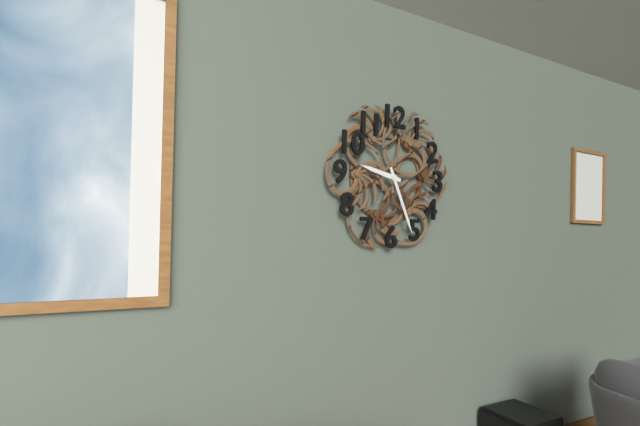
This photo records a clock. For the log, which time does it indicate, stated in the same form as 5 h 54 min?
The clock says 9 h 26 min
